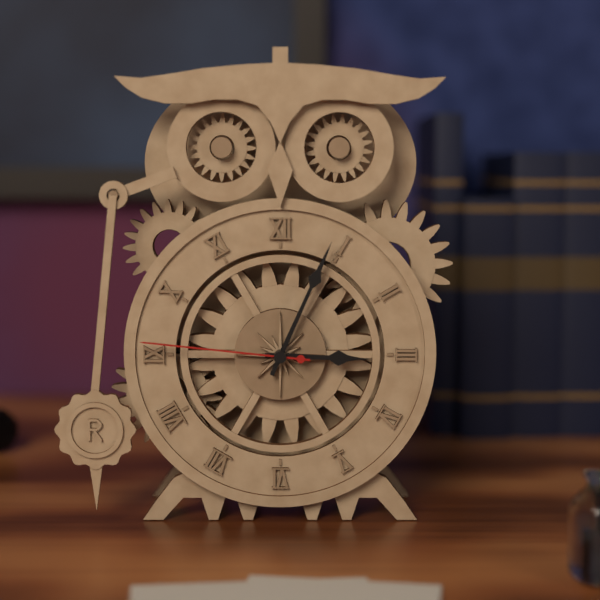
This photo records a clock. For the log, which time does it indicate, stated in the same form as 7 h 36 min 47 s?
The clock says 3 h 04 min 46 s
